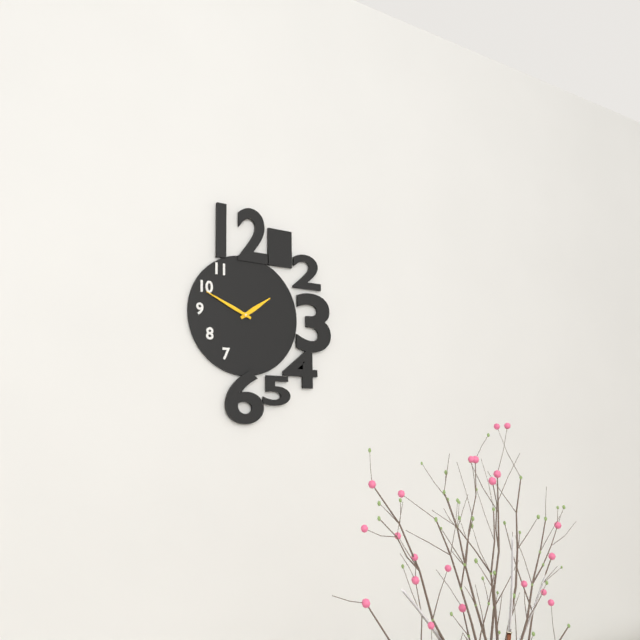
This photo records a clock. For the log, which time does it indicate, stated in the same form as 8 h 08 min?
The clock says 1 h 49 min
